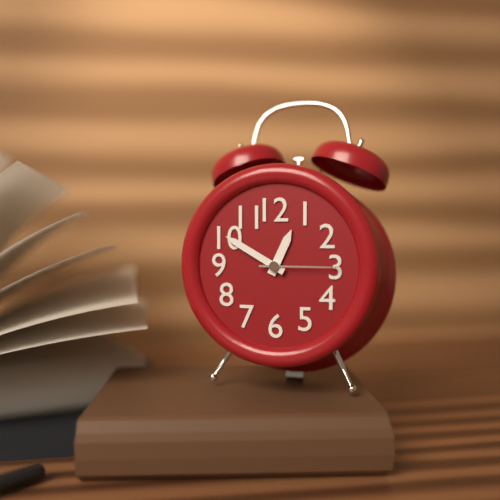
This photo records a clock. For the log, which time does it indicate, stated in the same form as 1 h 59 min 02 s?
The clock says 12 h 50 min 15 s
